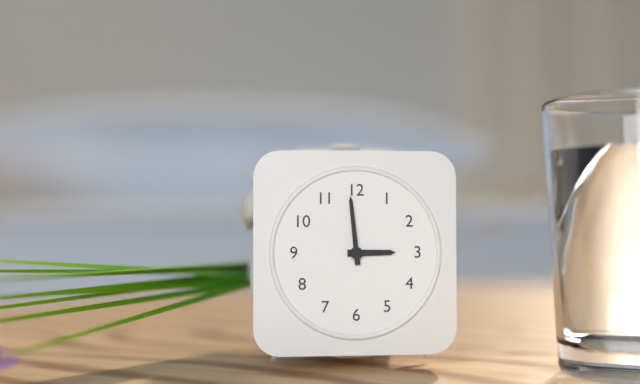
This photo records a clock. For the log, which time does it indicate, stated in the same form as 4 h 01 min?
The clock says 2 h 59 min
